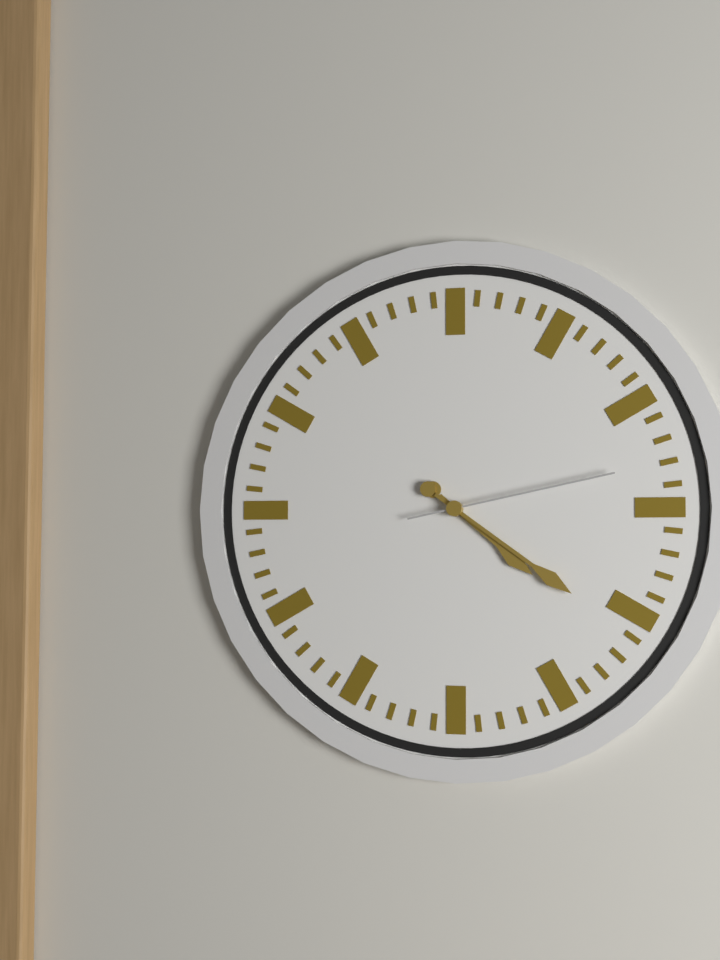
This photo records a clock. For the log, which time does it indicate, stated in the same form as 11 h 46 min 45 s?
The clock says 4 h 21 min 13 s
